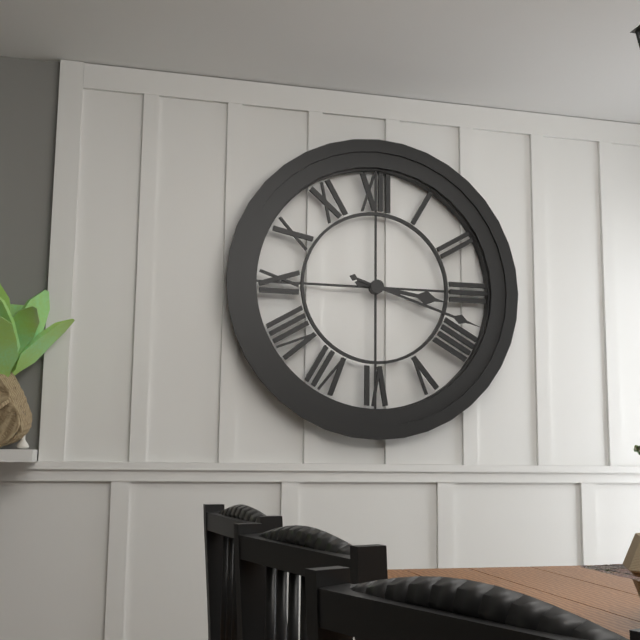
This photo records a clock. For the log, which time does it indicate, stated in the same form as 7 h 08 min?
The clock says 3 h 18 min
